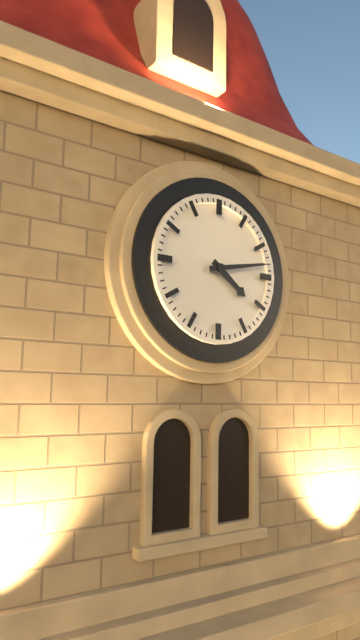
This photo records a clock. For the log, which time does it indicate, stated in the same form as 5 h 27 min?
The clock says 4 h 13 min
